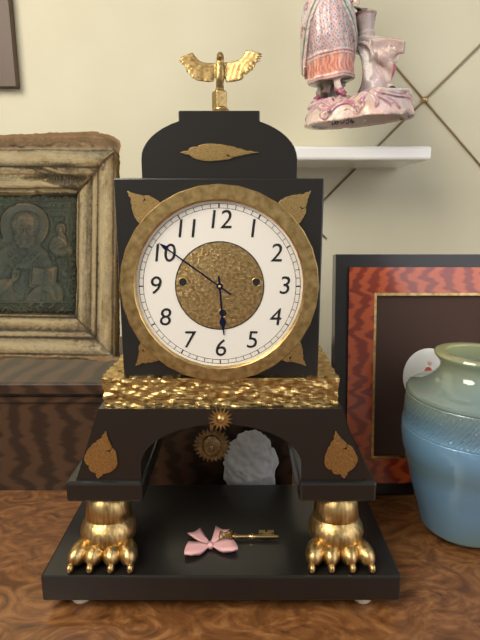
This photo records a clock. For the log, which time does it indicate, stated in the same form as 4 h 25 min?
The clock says 5 h 51 min
